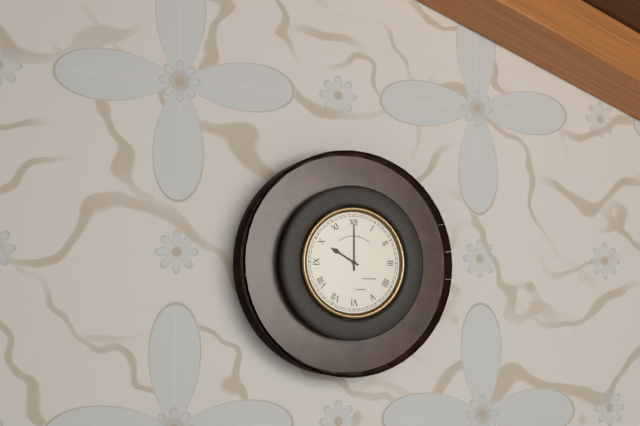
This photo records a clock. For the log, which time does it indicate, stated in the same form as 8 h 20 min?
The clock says 10 h 00 min
